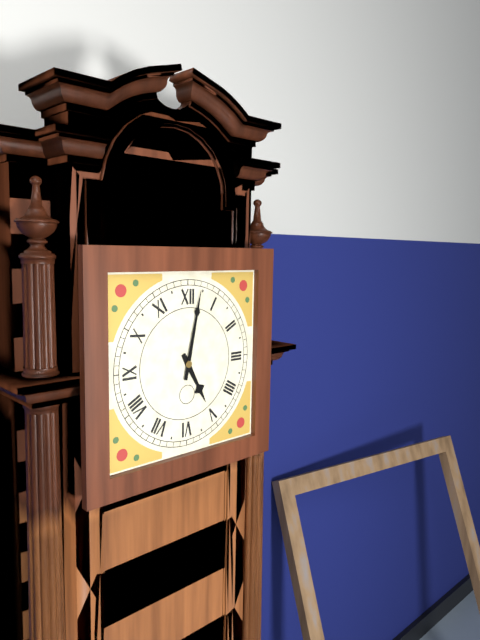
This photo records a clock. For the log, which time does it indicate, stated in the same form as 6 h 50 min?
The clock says 5 h 02 min
